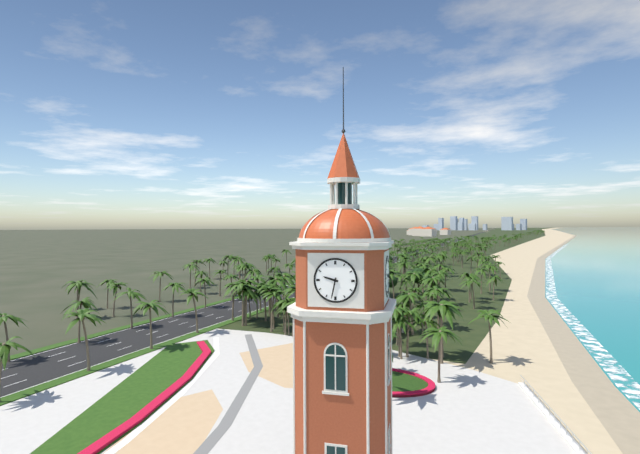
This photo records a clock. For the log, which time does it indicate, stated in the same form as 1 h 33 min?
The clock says 9 h 32 min
